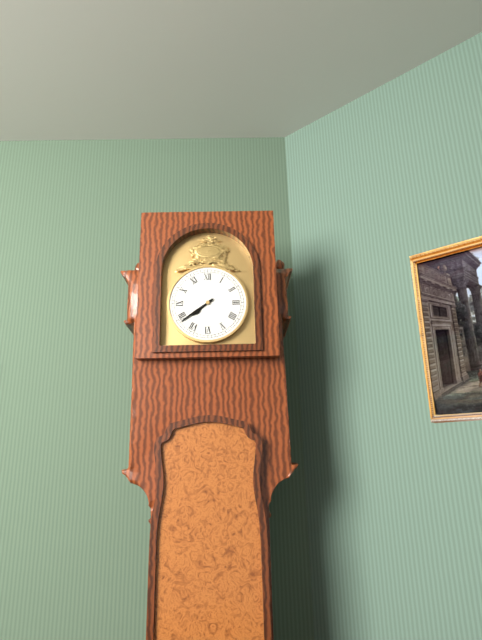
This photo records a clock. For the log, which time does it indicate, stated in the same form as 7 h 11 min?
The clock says 7 h 39 min
